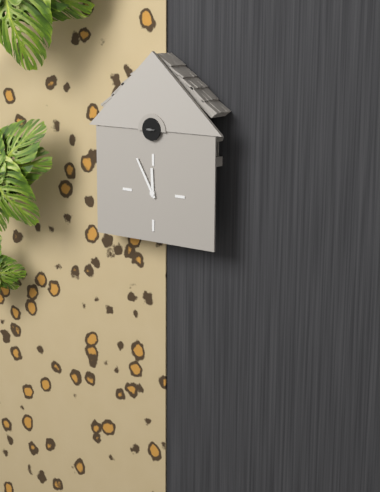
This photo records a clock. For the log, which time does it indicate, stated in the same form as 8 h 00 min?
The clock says 11 h 55 min
